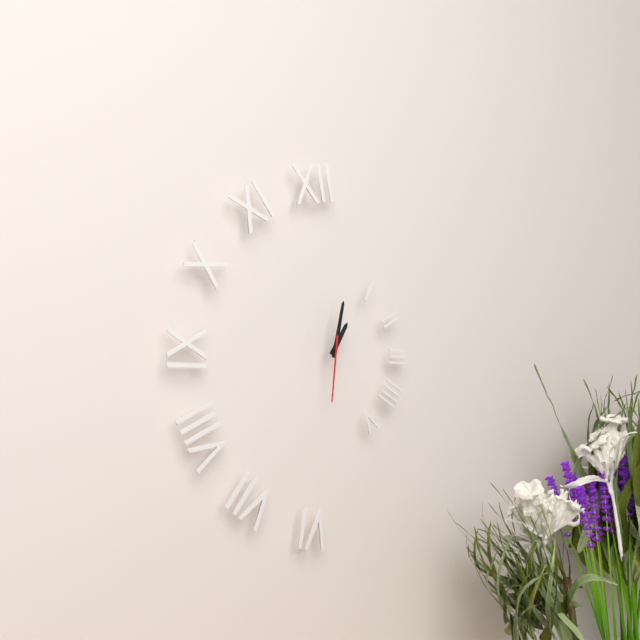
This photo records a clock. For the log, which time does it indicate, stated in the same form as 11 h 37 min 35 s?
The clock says 1 h 02 min 31 s
